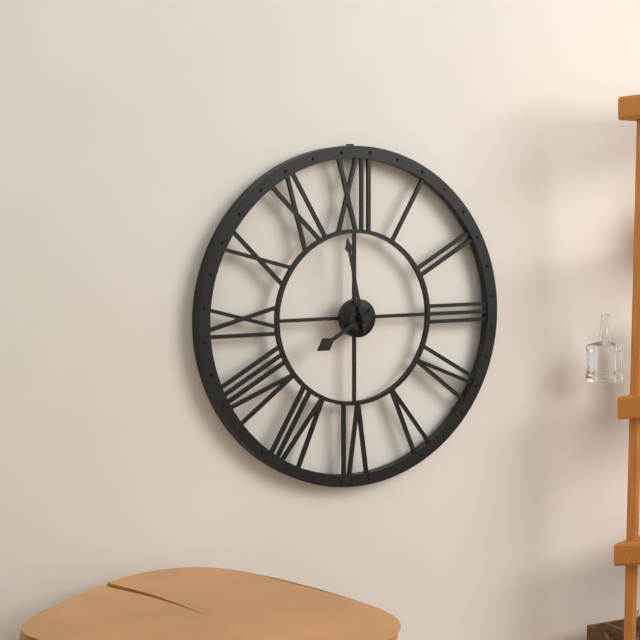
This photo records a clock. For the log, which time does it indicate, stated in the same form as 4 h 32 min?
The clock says 7 h 58 min
